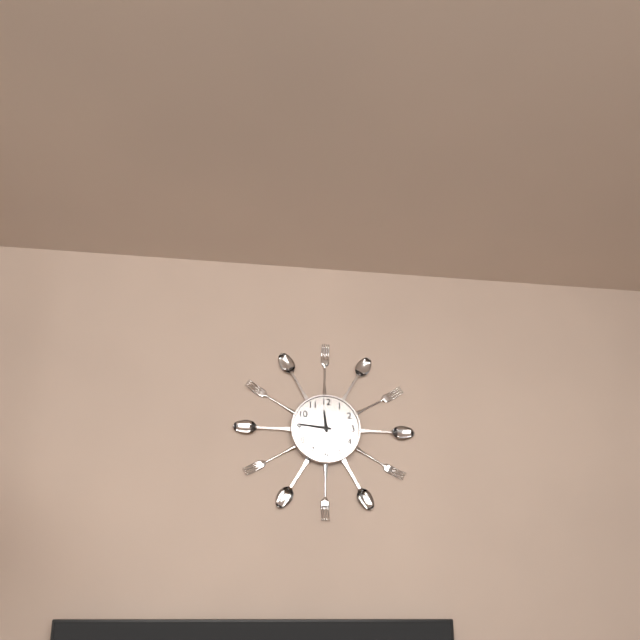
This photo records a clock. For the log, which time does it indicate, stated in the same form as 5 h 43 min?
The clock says 11 h 46 min
